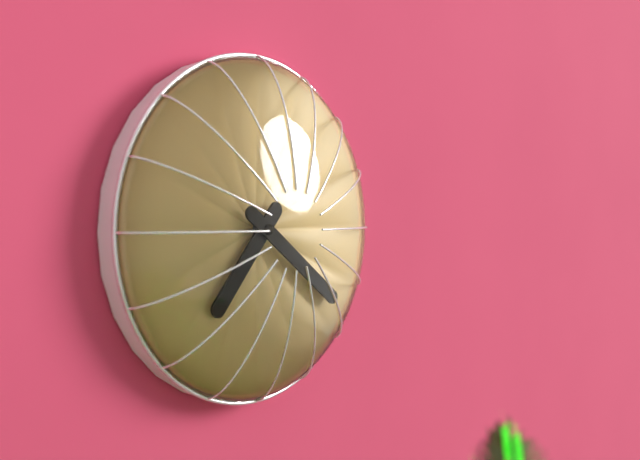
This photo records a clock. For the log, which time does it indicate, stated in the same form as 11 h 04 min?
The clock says 7 h 21 min
